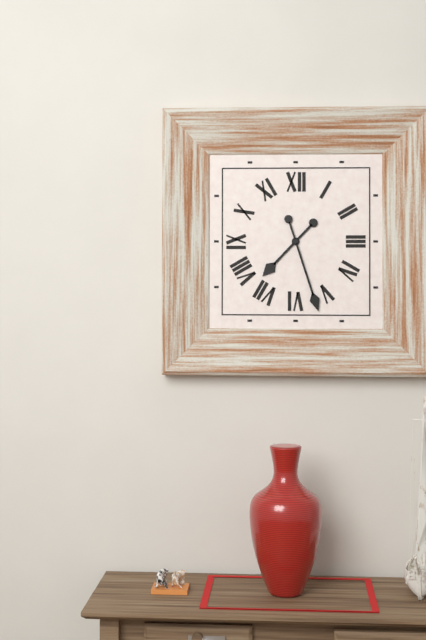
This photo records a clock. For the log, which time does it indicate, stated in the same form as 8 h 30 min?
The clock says 7 h 27 min
